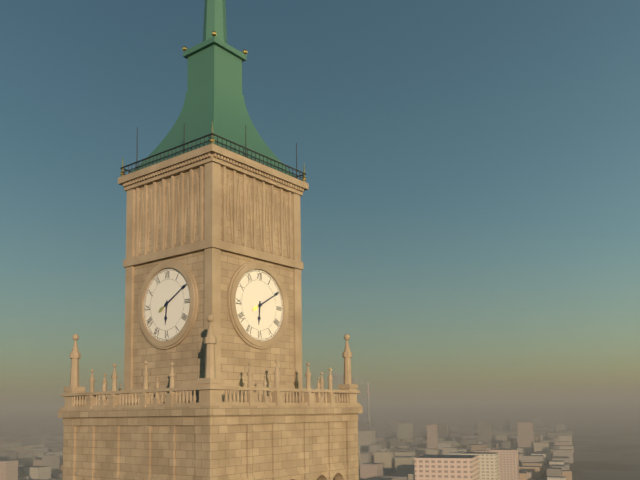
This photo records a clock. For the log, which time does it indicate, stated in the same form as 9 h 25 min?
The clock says 6 h 10 min
